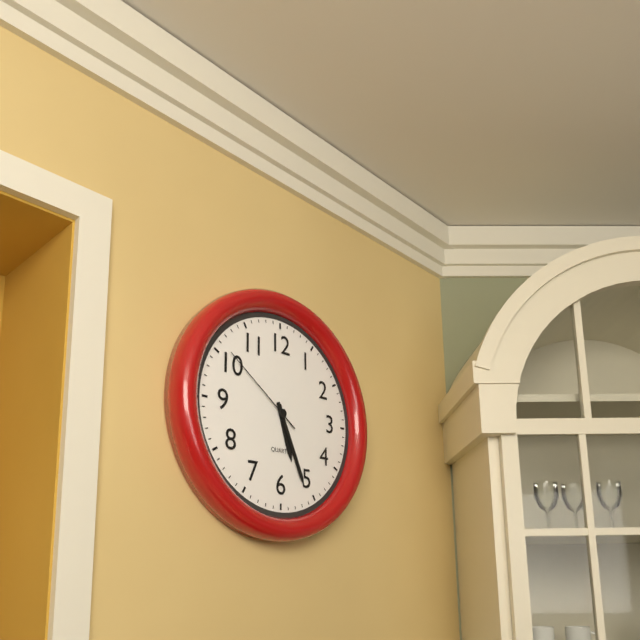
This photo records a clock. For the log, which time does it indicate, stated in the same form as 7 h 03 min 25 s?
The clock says 5 h 26 min 51 s
